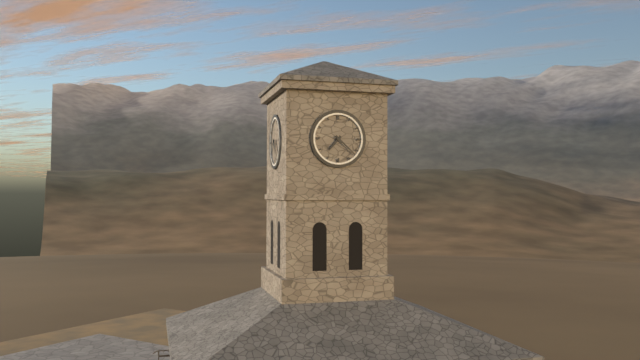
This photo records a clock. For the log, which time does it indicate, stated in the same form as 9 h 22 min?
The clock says 7 h 22 min
